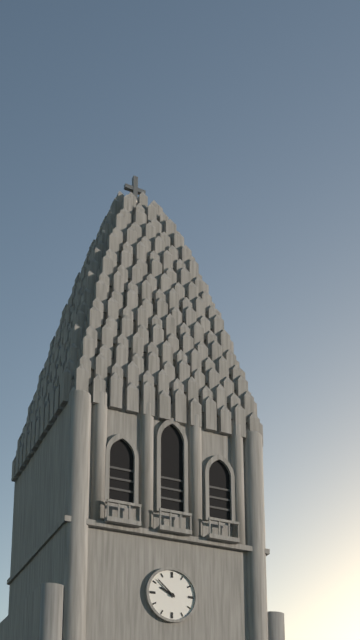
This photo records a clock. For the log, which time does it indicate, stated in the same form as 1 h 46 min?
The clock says 9 h 52 min
